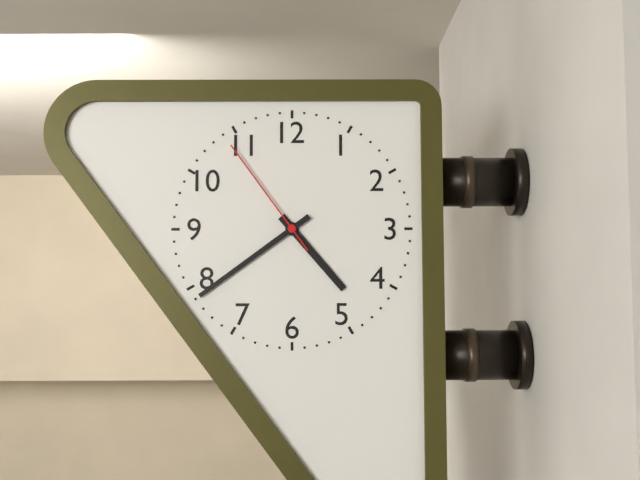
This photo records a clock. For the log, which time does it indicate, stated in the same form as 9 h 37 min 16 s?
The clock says 4 h 39 min 54 s
